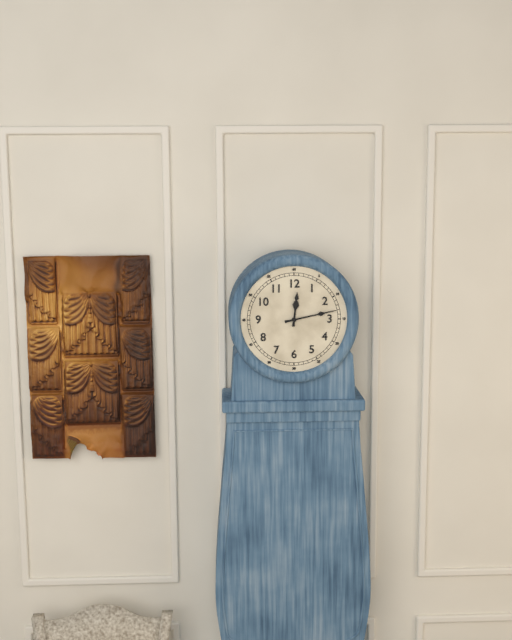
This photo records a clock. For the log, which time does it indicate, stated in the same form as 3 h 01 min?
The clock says 12 h 13 min
